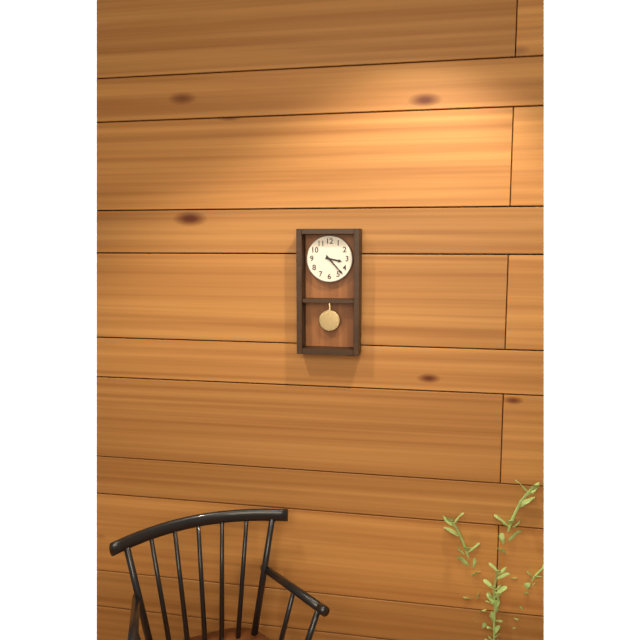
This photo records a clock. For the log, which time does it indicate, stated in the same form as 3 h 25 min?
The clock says 3 h 23 min
